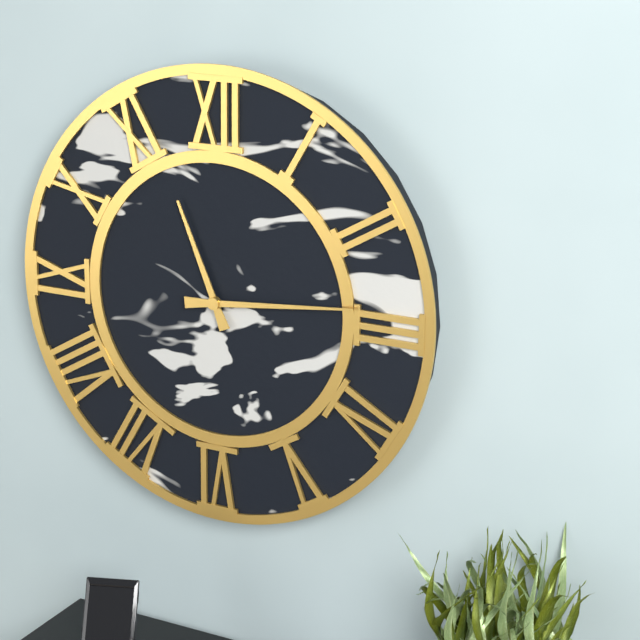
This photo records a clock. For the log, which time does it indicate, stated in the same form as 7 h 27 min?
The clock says 11 h 14 min
